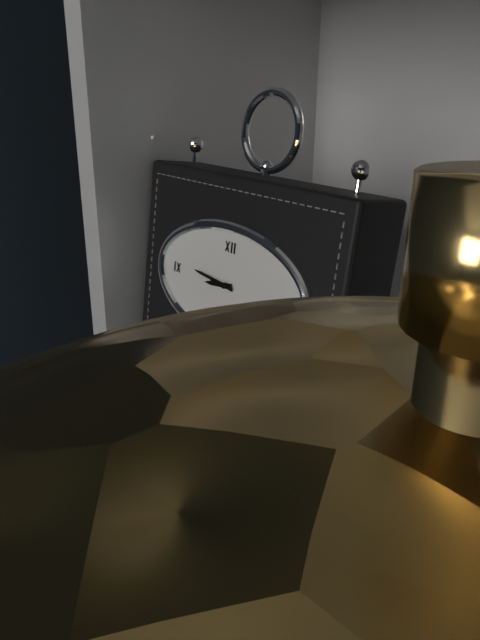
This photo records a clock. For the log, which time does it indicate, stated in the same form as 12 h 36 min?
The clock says 8 h 46 min
